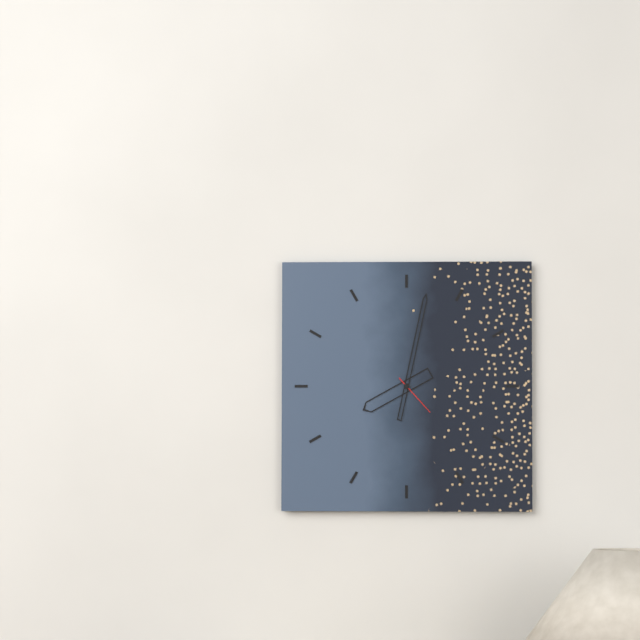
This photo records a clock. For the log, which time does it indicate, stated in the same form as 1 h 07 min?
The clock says 8 h 02 min
